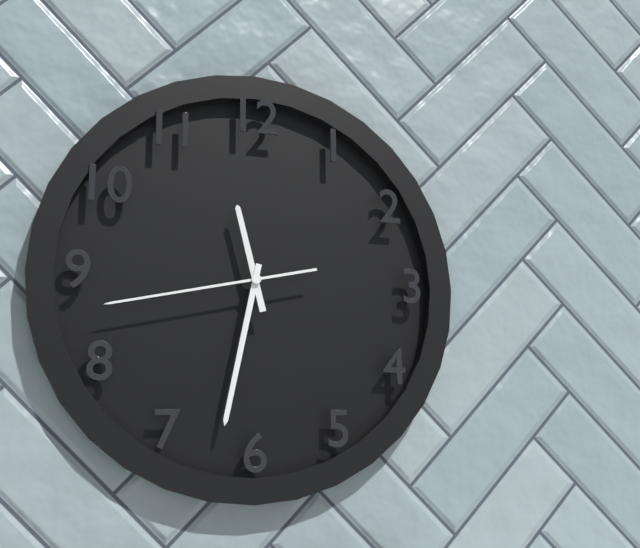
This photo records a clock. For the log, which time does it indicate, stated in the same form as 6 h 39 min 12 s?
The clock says 11 h 32 min 43 s
